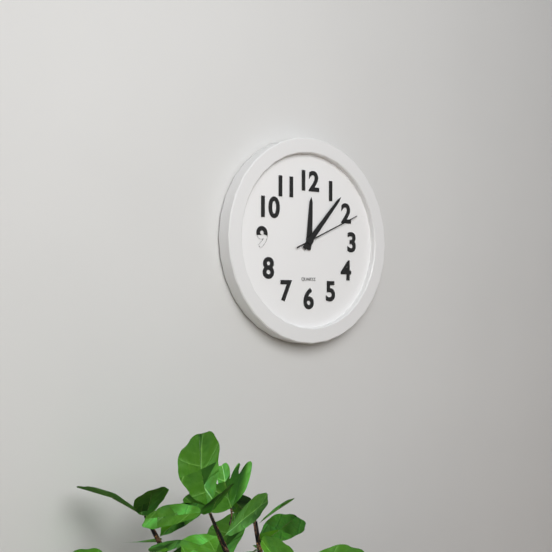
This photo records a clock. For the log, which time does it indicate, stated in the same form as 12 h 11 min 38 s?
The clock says 12 h 07 min 11 s
